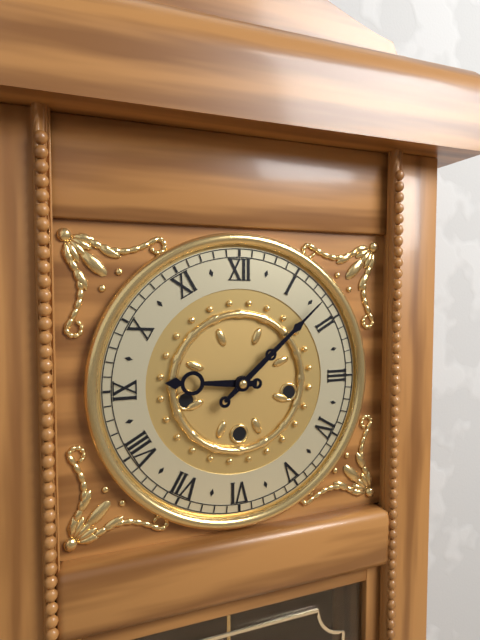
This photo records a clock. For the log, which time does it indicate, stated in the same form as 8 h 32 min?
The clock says 9 h 08 min
